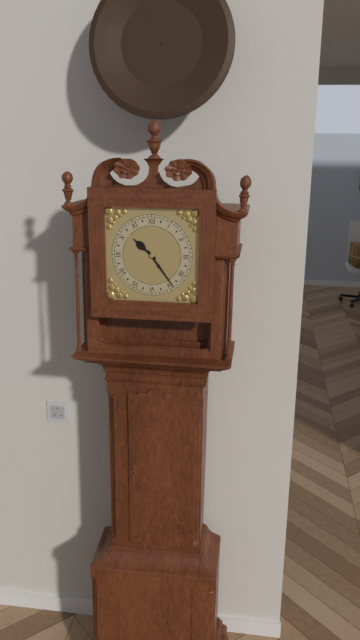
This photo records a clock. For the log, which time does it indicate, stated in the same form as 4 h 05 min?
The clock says 10 h 24 min
